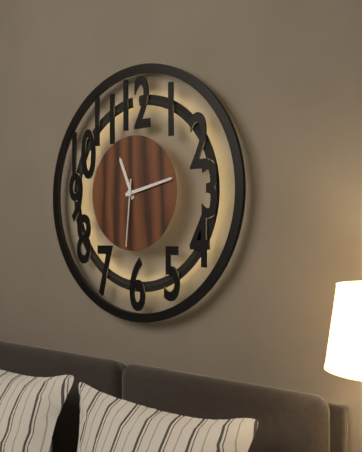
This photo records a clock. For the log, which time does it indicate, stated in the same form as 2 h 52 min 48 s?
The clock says 11 h 13 min 31 s
